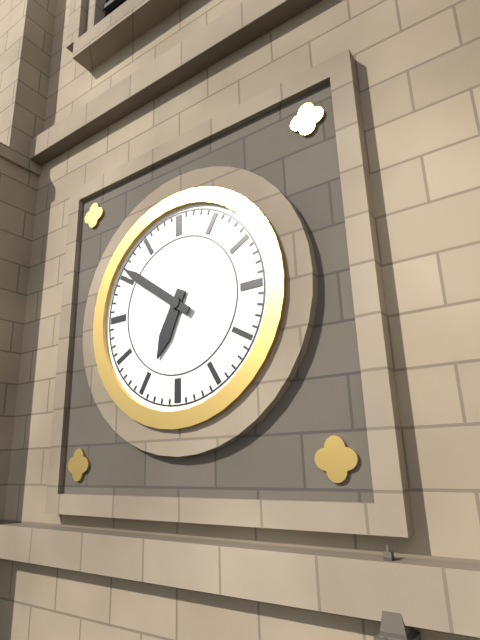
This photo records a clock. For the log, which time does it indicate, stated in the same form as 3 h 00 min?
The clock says 6 h 51 min
